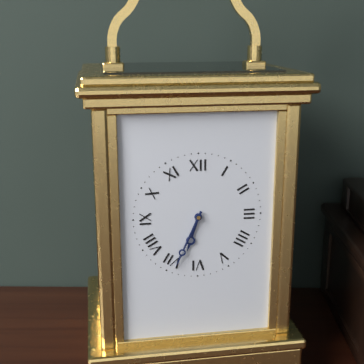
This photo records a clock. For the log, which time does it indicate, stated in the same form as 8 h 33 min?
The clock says 6 h 34 min
